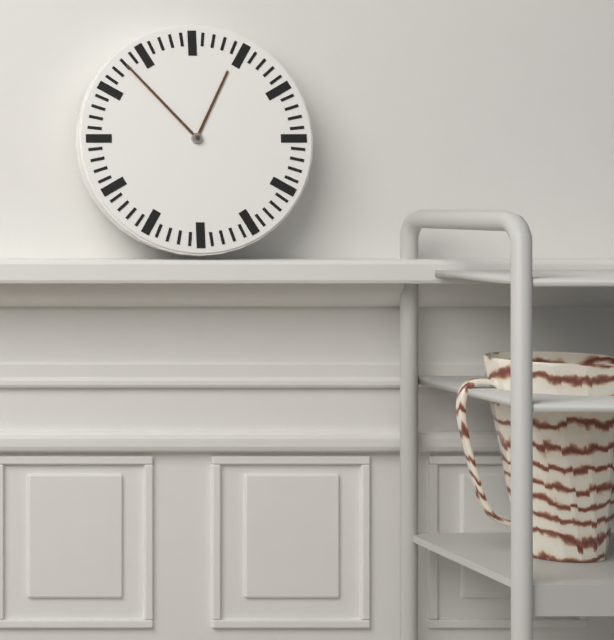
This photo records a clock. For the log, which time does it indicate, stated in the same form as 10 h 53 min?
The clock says 12 h 53 min
